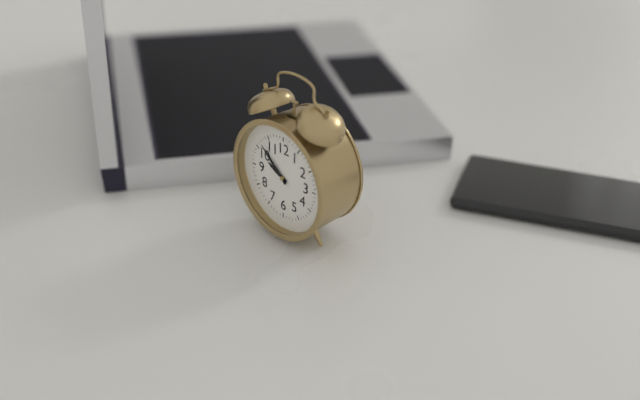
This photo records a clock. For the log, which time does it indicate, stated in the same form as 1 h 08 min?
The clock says 9 h 52 min
